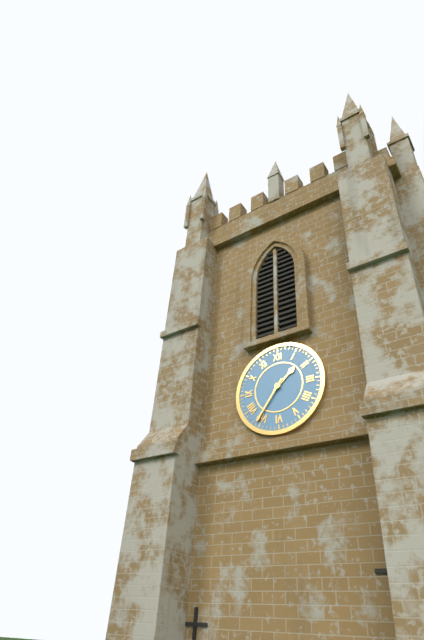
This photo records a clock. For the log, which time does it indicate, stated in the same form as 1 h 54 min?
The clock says 1 h 36 min
